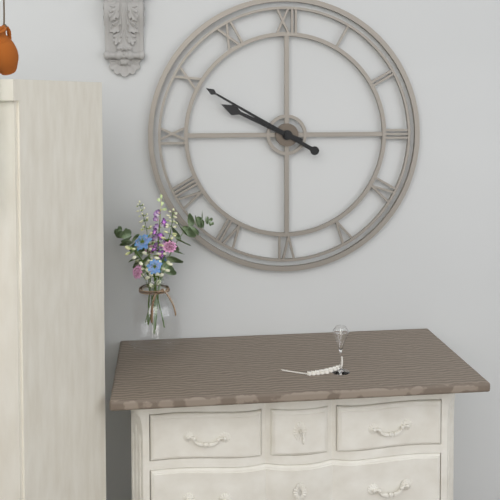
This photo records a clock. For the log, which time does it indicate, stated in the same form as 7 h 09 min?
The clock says 9 h 50 min
